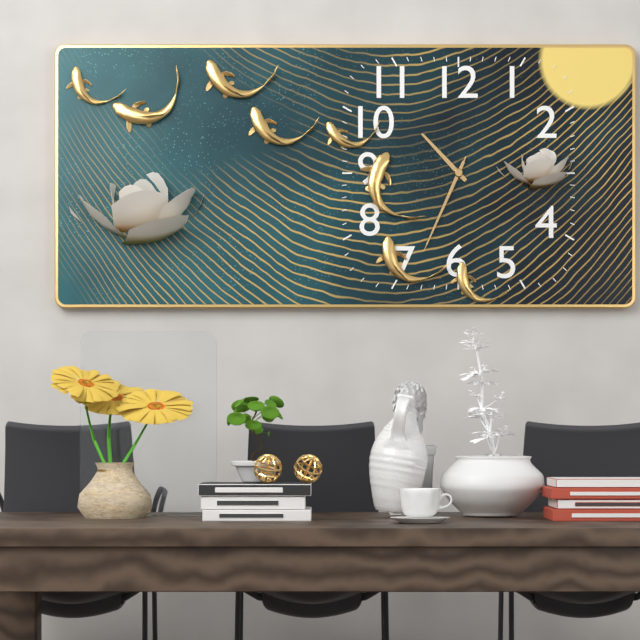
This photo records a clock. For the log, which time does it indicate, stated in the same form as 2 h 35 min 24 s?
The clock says 10 h 34 min 34 s
